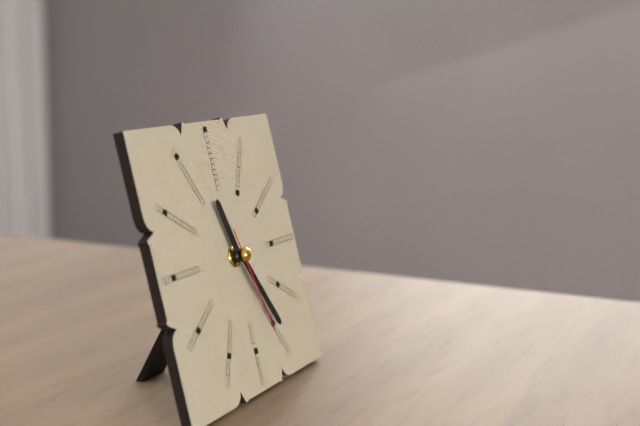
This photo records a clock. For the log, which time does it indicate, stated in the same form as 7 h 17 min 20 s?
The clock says 11 h 25 min 27 s
